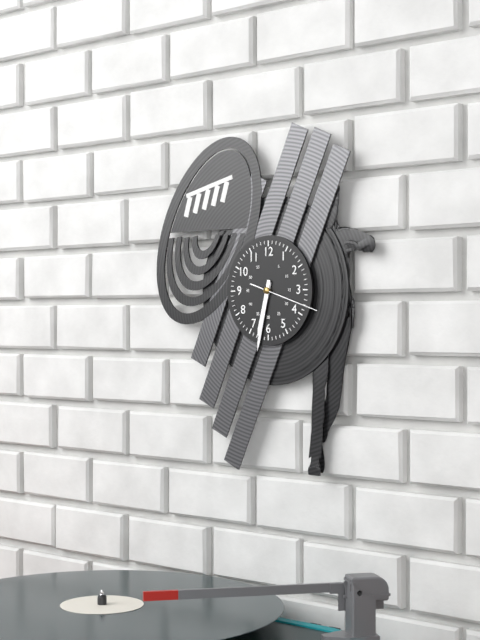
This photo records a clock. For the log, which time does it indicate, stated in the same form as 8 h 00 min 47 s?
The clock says 6 h 32 min 18 s
